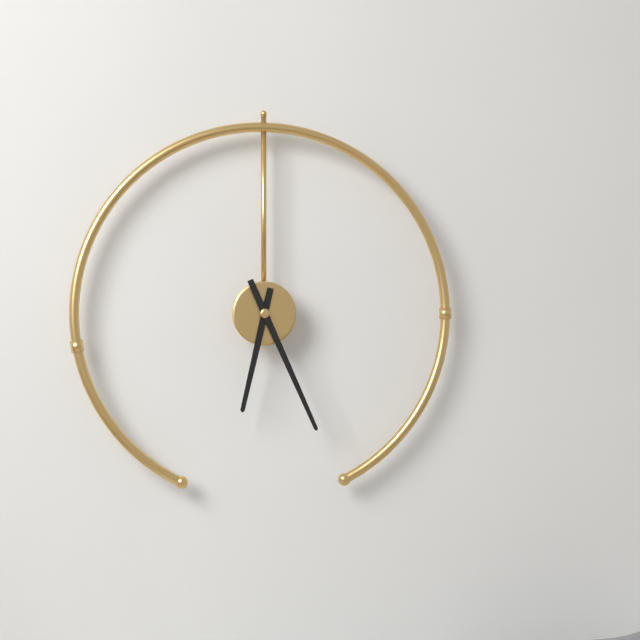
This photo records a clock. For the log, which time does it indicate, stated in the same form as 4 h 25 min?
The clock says 6 h 26 min
